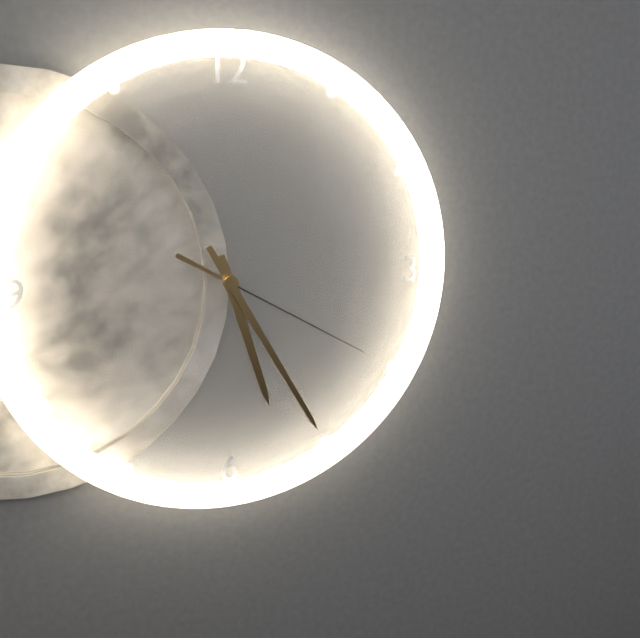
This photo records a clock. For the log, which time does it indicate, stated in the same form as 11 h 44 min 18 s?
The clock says 5 h 25 min 20 s
